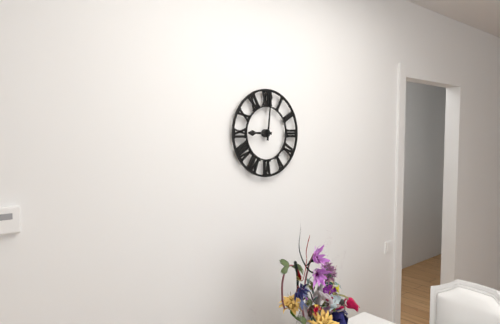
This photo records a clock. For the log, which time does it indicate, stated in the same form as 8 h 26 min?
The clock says 9 h 01 min
